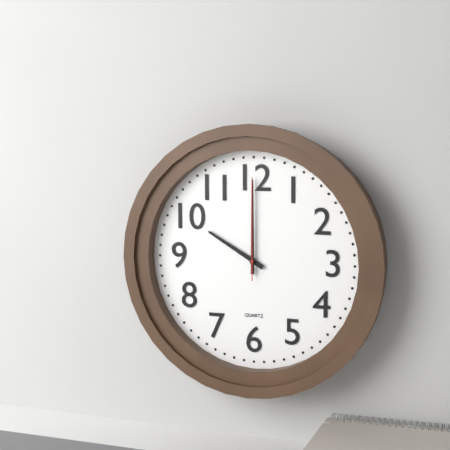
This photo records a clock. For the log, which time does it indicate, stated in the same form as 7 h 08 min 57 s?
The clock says 10 h 00 min 00 s
